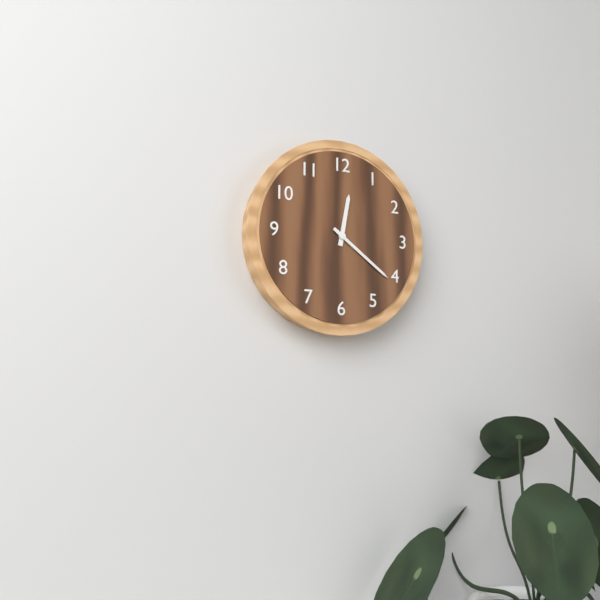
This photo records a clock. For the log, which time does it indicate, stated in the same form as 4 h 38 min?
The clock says 12 h 21 min
